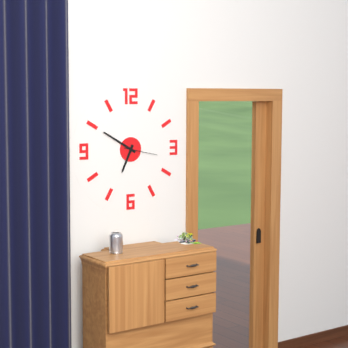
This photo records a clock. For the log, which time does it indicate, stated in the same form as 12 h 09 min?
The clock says 6 h 50 min
